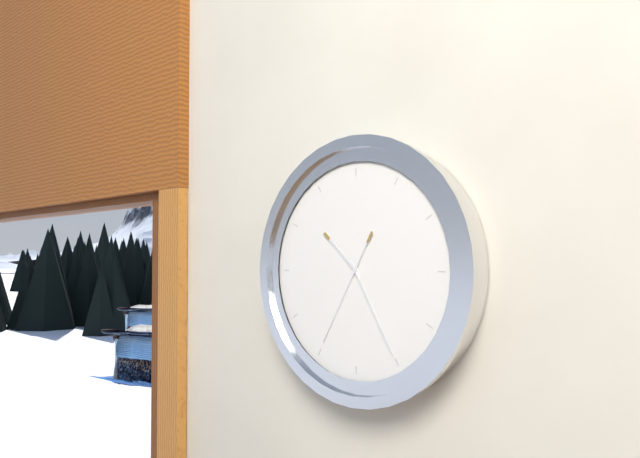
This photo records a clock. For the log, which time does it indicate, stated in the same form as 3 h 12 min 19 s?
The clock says 10 h 25 min 35 s
